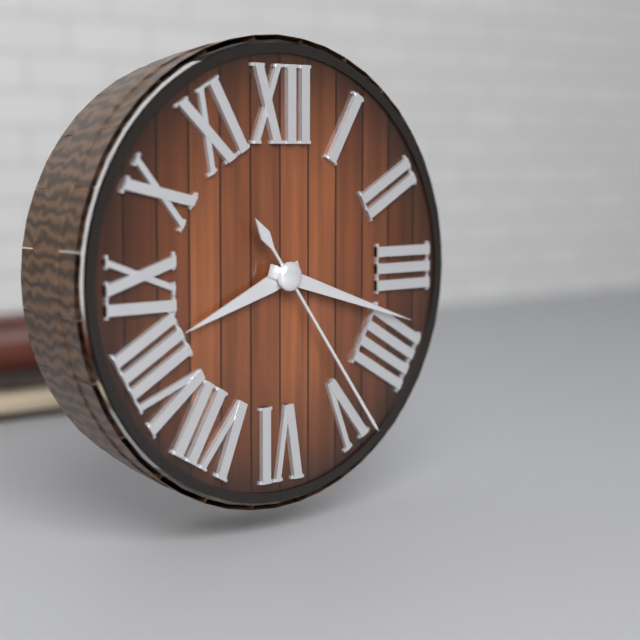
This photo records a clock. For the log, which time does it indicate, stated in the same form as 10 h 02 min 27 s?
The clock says 8 h 18 min 24 s
